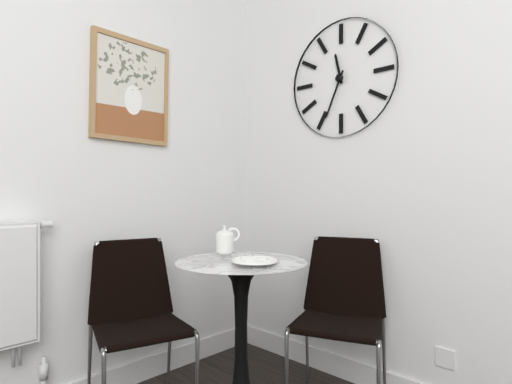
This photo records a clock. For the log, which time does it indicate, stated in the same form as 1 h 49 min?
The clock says 11 h 34 min
